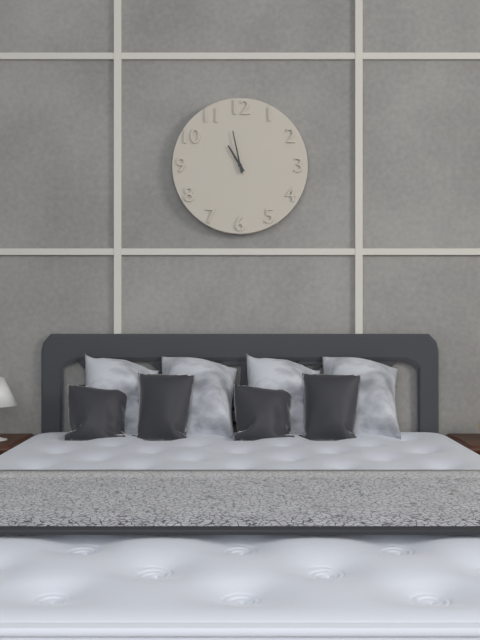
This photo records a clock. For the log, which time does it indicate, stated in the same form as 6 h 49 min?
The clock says 10 h 58 min
